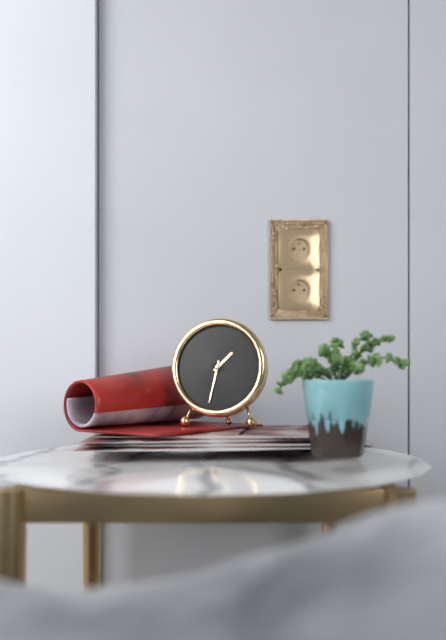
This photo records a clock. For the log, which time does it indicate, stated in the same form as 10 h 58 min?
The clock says 1 h 32 min
